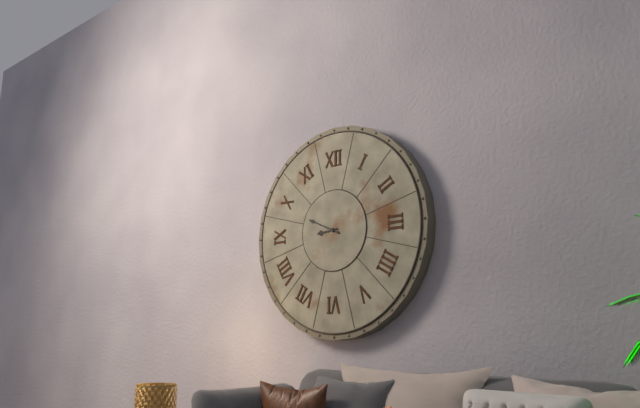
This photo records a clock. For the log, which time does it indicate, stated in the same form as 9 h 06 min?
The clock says 8 h 49 min
